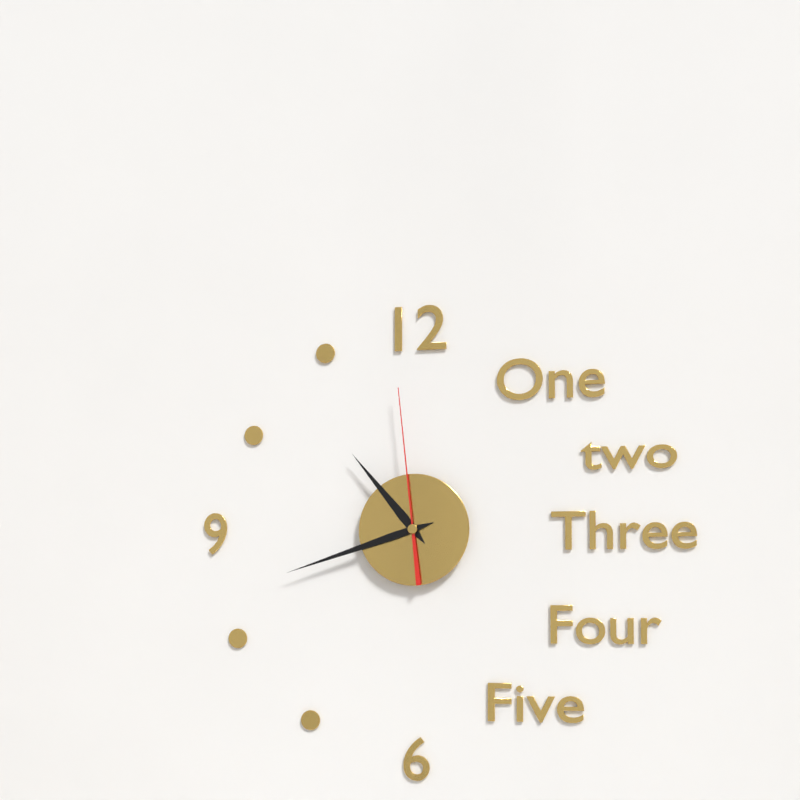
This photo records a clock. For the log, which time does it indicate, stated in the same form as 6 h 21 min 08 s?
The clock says 10 h 42 min 59 s
